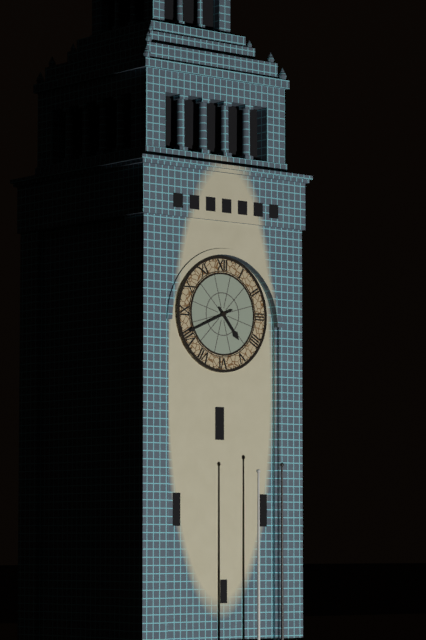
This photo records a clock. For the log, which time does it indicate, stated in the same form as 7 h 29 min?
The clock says 4 h 41 min
